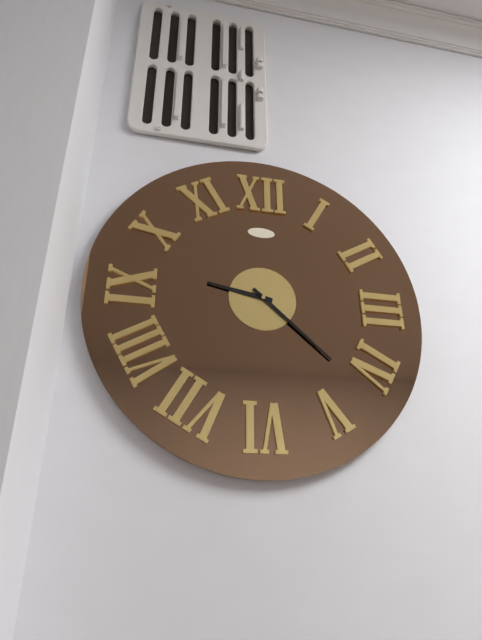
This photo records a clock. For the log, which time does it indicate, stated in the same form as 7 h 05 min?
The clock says 9 h 22 min
